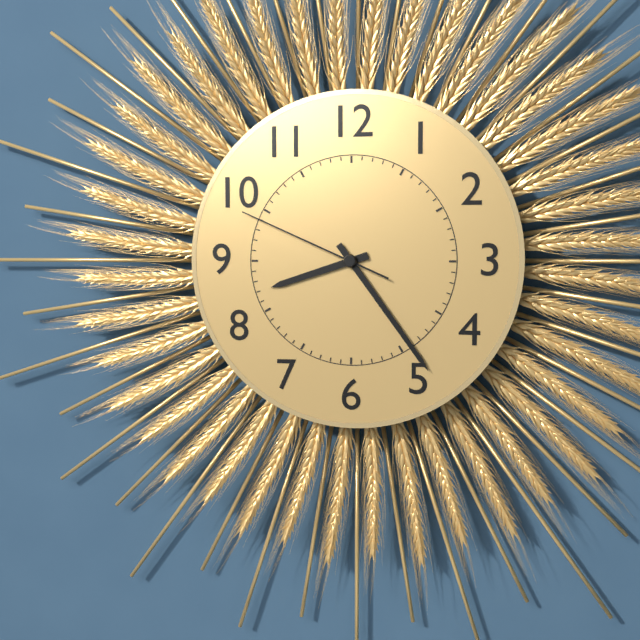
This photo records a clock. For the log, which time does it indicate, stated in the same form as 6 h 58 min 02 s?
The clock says 8 h 24 min 49 s
